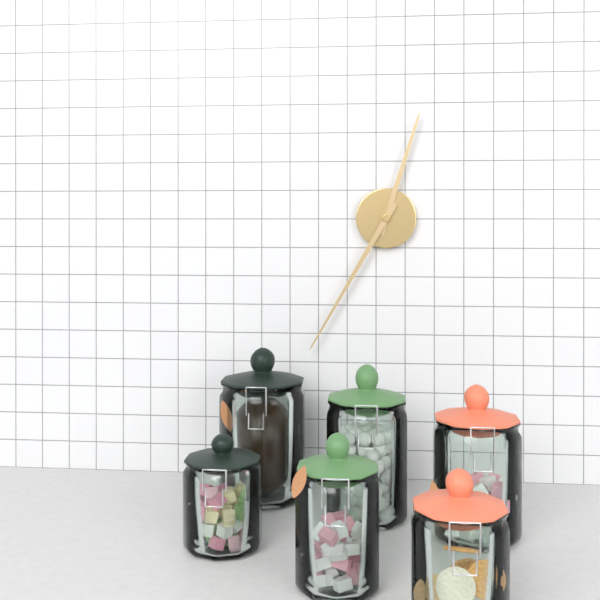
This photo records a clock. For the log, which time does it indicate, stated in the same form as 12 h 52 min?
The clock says 12 h 35 min
